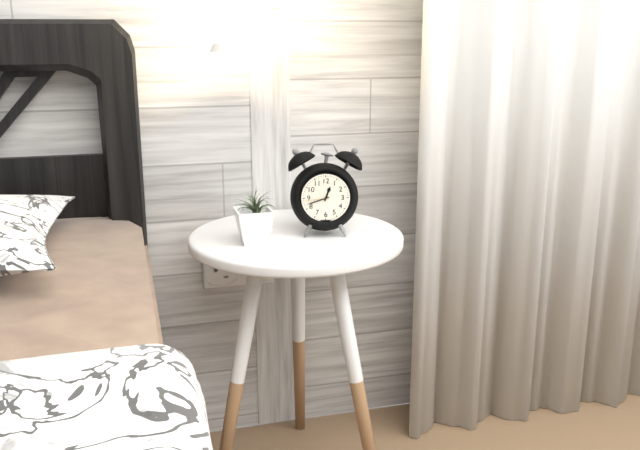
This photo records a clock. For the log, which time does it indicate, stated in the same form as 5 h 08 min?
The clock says 12 h 42 min
